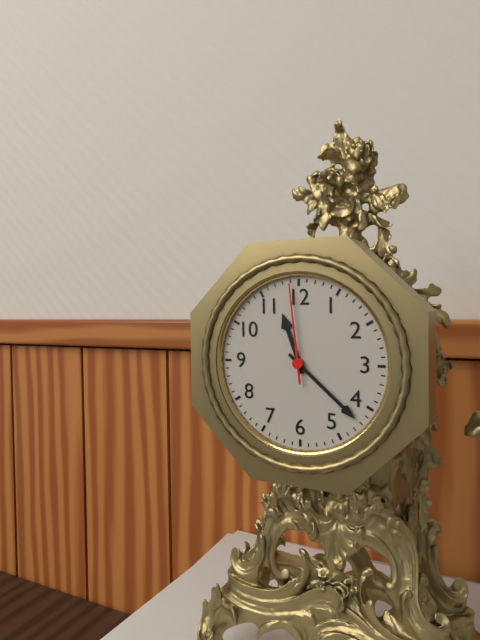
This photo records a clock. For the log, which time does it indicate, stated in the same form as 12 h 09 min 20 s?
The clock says 11 h 22 min 59 s
